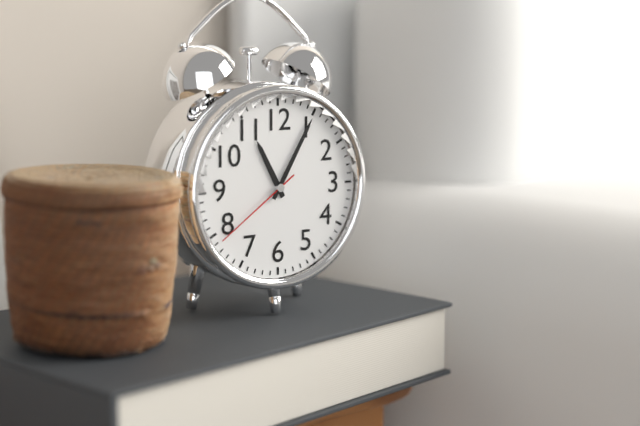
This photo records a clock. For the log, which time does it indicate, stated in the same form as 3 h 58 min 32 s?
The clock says 11 h 05 min 39 s
